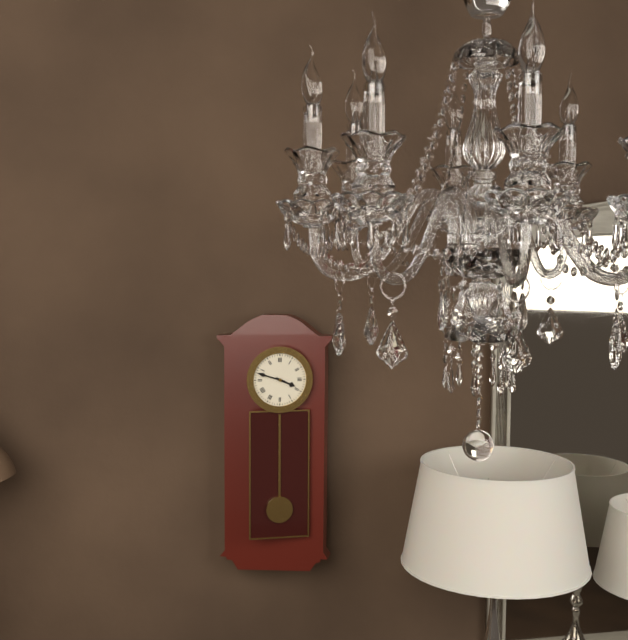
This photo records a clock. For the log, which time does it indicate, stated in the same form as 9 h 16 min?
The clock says 3 h 48 min
